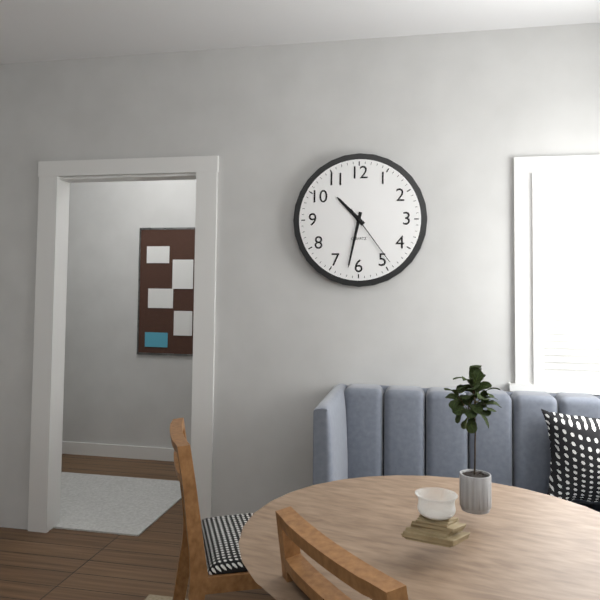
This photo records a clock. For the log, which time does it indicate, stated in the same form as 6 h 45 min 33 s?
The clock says 10 h 32 min 24 s
